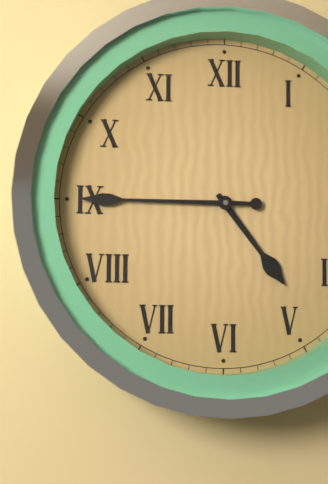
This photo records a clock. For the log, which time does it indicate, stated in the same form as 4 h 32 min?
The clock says 4 h 45 min
